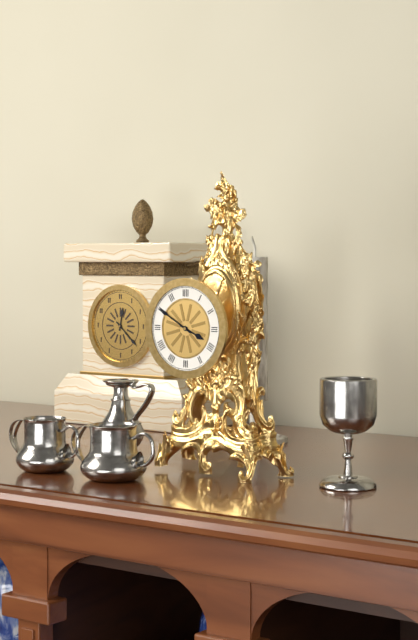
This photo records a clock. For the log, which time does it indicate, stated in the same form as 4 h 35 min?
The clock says 3 h 50 min
